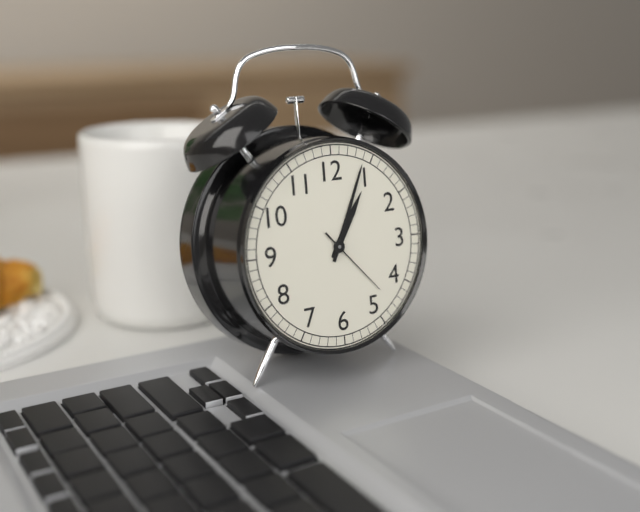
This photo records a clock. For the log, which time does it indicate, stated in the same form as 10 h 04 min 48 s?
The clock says 1 h 04 min 23 s
